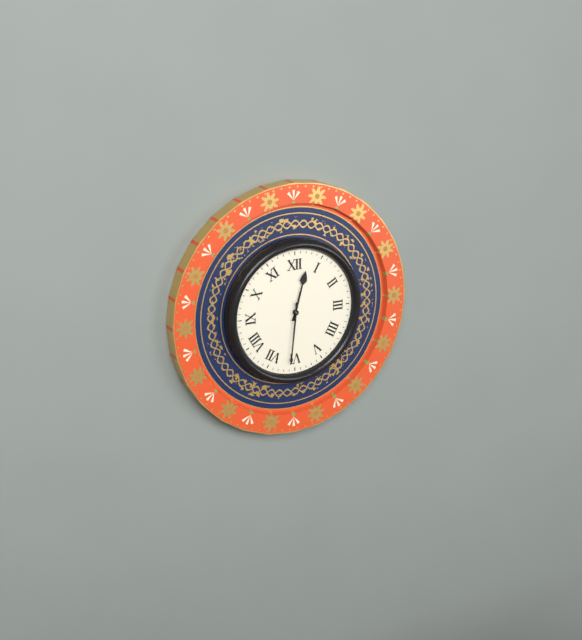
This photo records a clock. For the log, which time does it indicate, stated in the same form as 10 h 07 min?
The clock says 12 h 31 min
